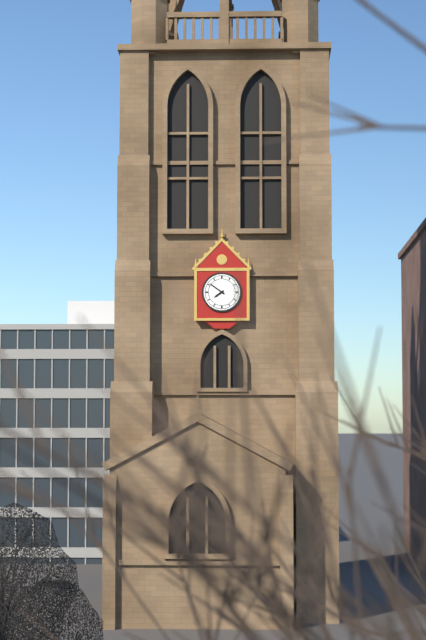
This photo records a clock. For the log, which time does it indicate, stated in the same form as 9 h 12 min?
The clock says 7 h 51 min
